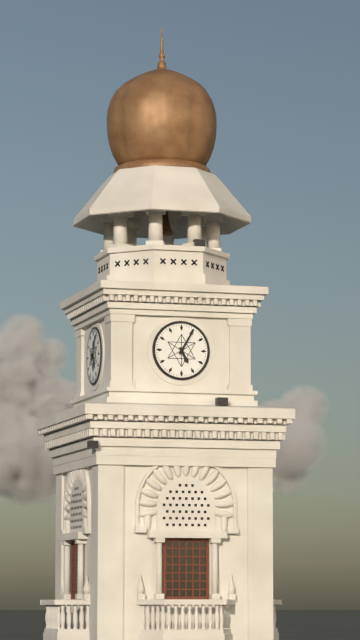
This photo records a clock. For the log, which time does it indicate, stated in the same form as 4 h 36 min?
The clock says 5 h 05 min
